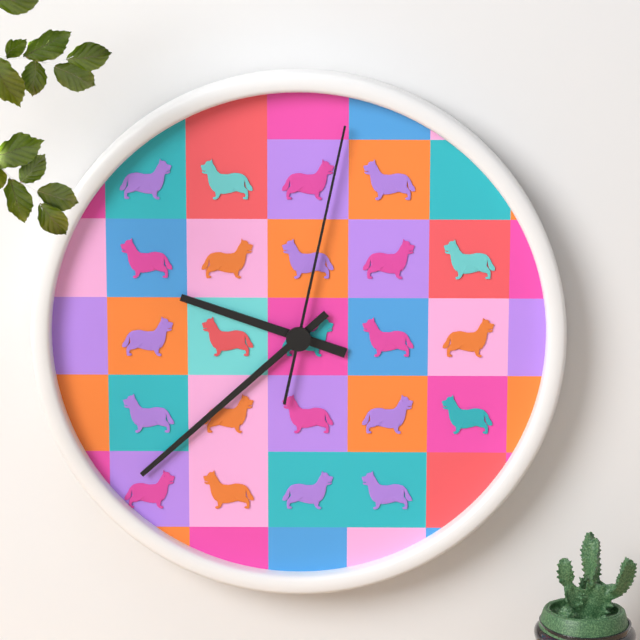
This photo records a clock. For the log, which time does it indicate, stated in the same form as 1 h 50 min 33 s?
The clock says 9 h 38 min 02 s
